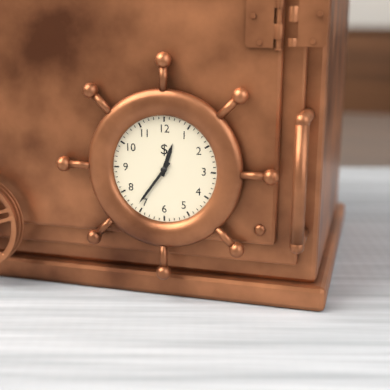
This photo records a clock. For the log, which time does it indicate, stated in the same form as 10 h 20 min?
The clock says 12 h 36 min
